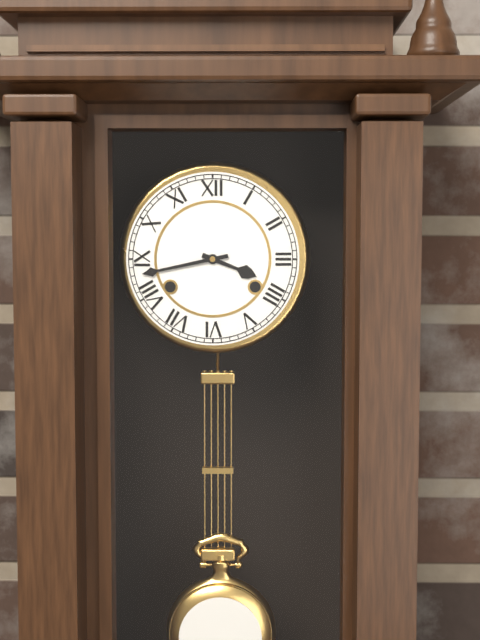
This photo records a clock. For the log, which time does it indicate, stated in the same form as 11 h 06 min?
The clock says 3 h 43 min
